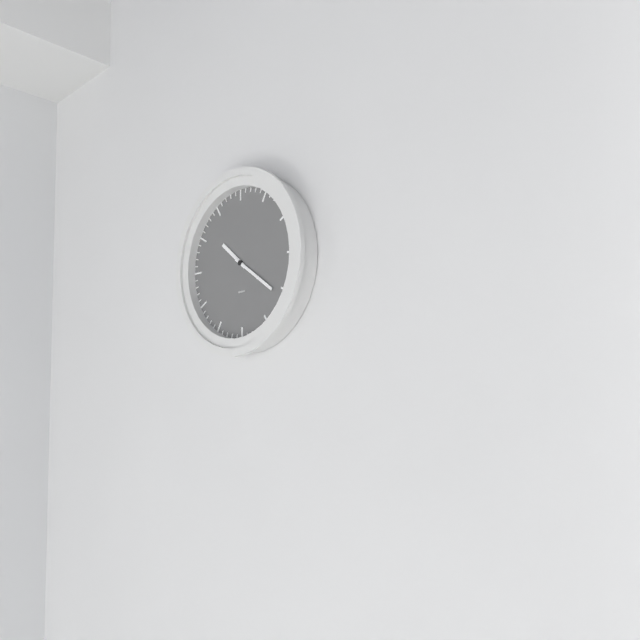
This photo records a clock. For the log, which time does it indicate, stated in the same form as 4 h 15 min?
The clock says 10 h 21 min
